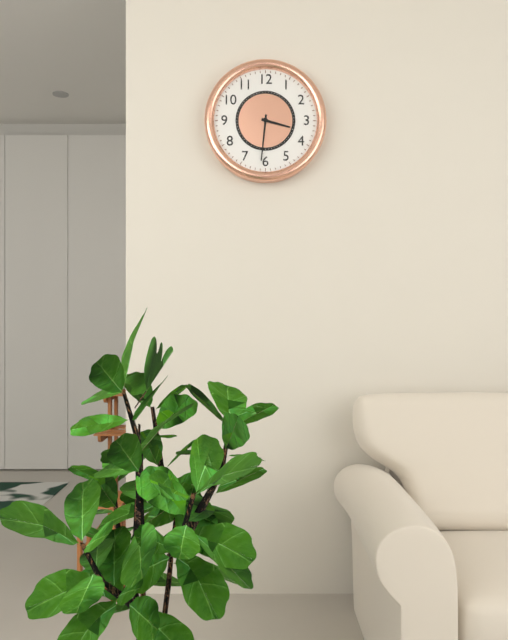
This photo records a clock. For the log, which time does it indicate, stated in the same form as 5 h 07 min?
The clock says 3 h 31 min
